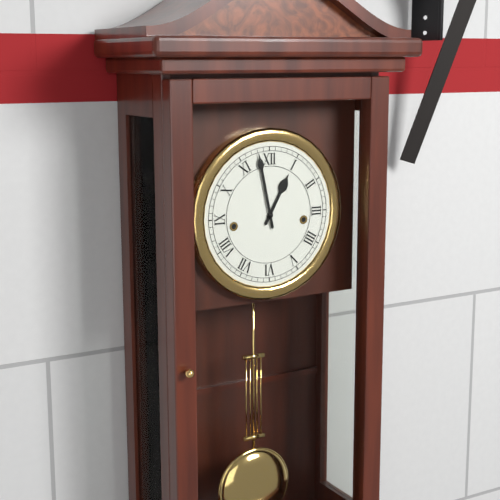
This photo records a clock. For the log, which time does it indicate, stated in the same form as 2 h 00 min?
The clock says 12 h 58 min
